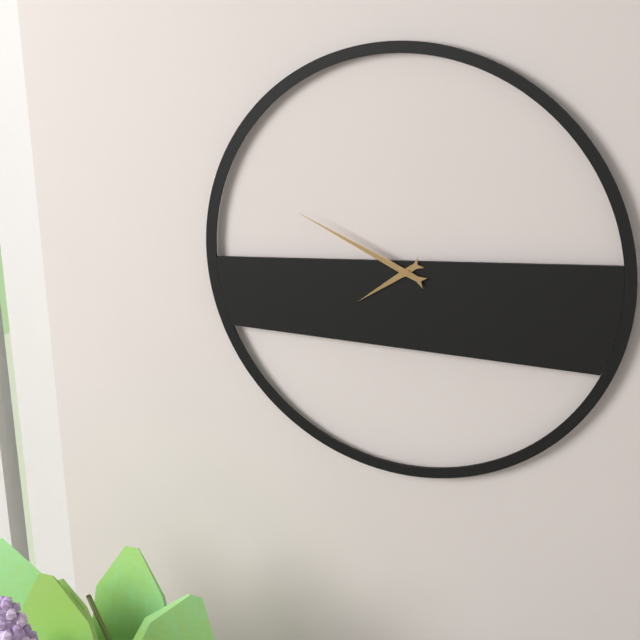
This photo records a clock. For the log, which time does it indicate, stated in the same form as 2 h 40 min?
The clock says 7 h 49 min
